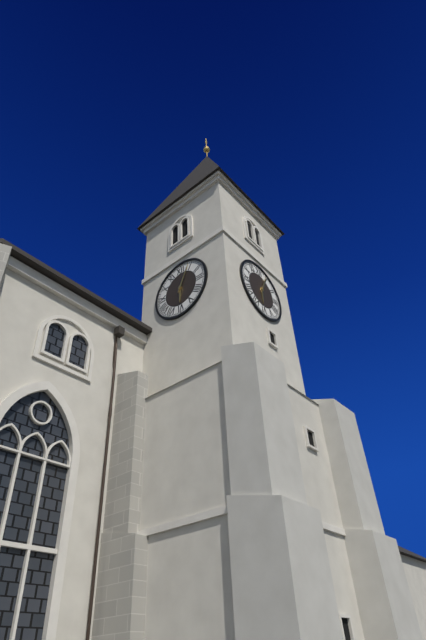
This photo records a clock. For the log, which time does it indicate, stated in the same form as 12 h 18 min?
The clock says 6 h 04 min
